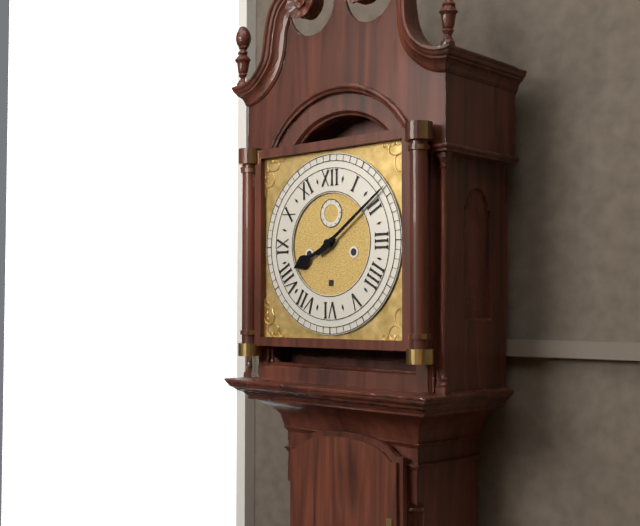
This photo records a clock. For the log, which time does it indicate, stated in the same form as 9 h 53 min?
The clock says 8 h 09 min
